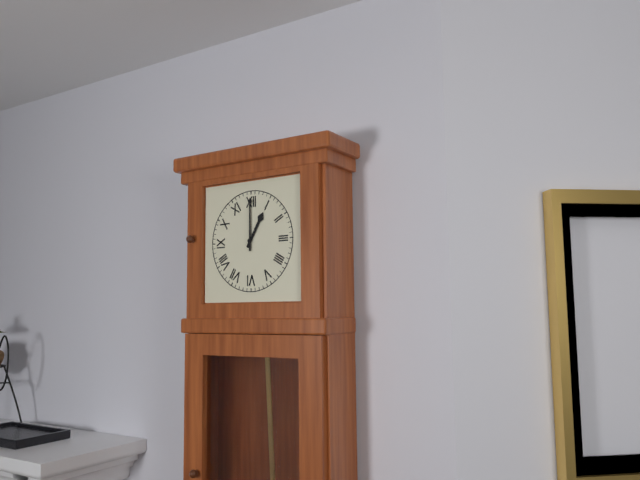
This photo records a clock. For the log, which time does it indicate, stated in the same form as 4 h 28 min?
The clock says 1 h 00 min
